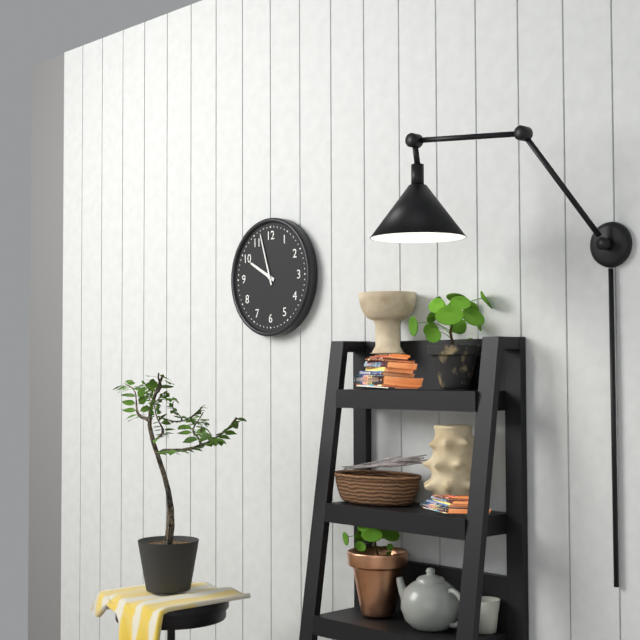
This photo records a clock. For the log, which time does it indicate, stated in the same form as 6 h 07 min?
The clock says 9 h 57 min
